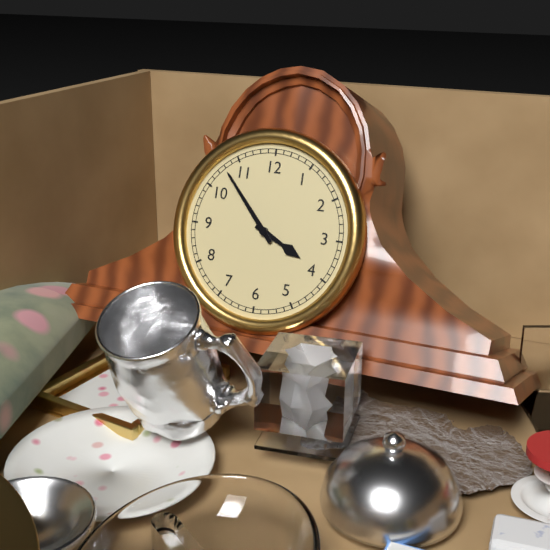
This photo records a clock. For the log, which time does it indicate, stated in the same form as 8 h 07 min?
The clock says 3 h 53 min
